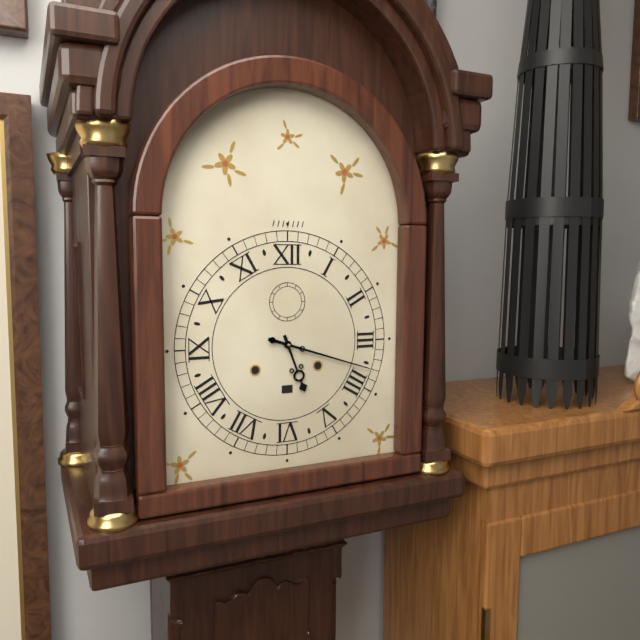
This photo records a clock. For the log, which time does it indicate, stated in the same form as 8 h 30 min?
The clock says 5 h 18 min
